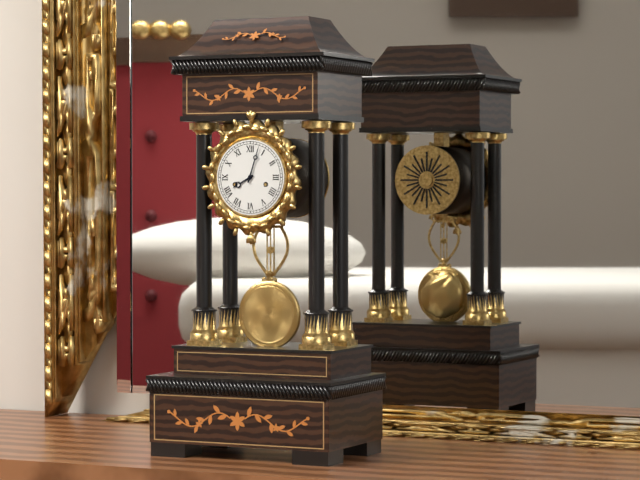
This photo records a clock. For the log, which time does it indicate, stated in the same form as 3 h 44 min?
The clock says 8 h 03 min
